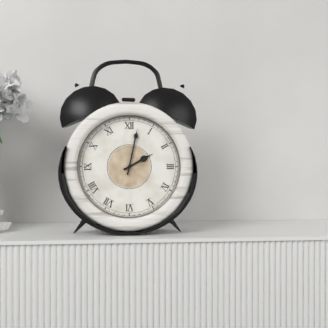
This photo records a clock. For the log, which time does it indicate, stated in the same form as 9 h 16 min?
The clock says 2 h 02 min
